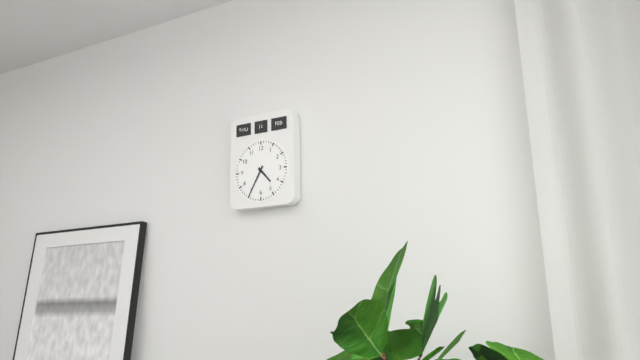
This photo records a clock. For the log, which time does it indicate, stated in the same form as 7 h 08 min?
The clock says 4 h 35 min
